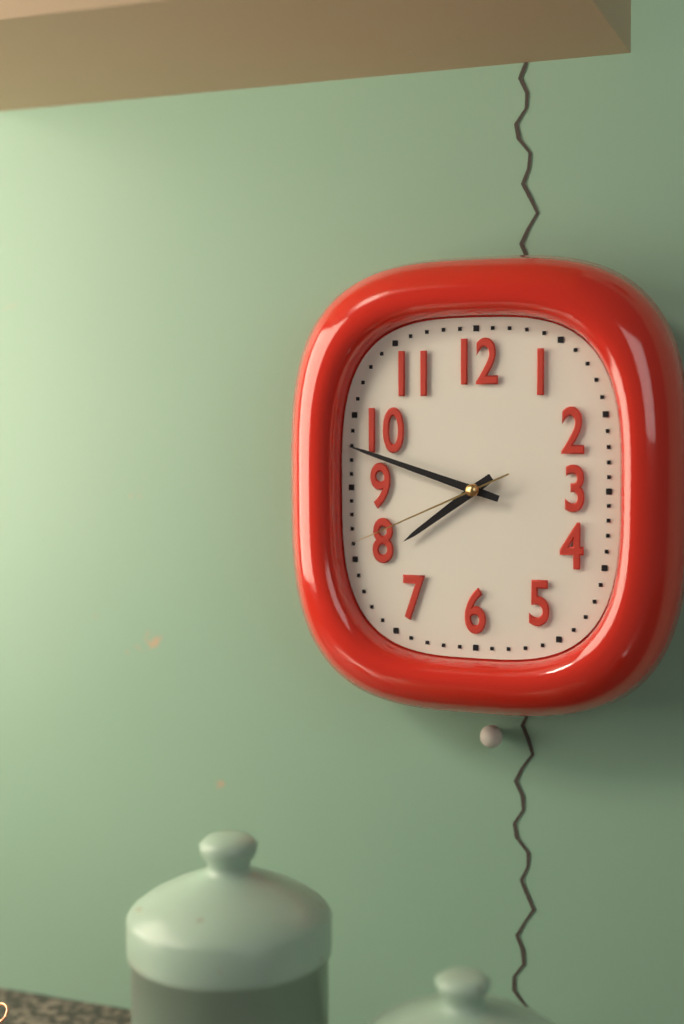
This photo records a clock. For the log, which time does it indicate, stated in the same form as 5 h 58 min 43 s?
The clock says 7 h 48 min 41 s
